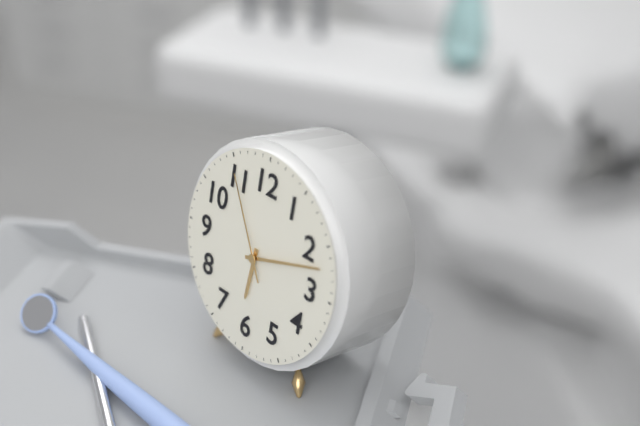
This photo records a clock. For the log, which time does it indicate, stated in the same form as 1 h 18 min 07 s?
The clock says 6 h 12 min 55 s
